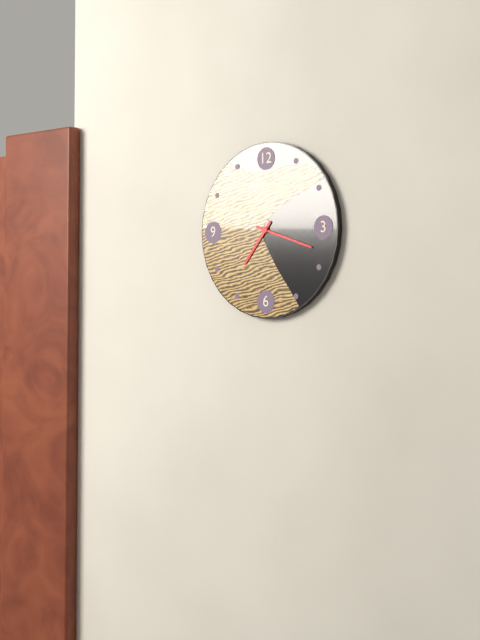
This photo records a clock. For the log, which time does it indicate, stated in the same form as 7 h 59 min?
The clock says 7 h 18 min
